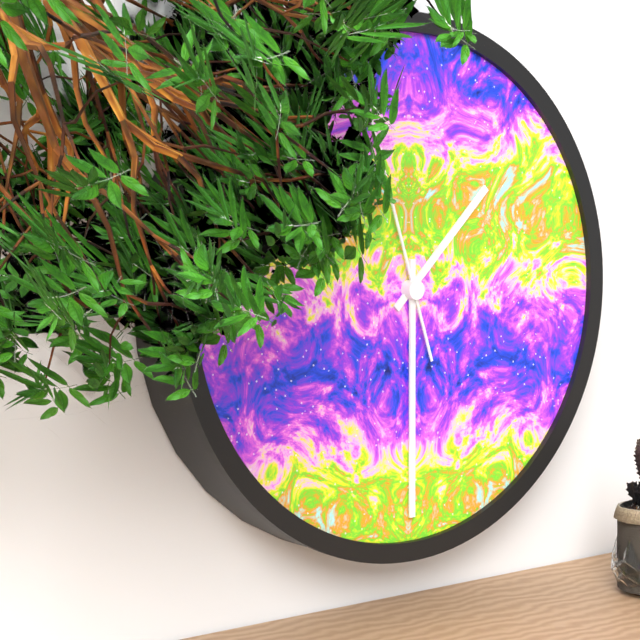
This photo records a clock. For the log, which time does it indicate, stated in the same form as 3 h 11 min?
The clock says 1 h 30 min
